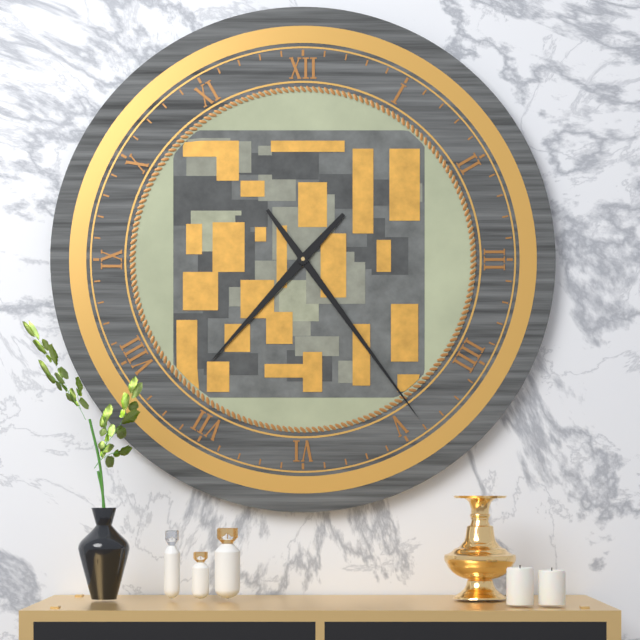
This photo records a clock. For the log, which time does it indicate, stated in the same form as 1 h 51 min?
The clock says 7 h 24 min
